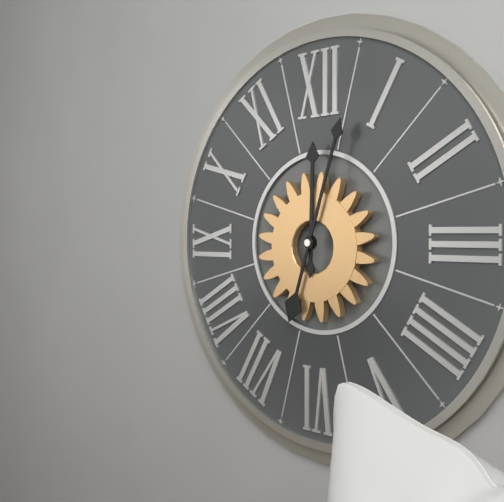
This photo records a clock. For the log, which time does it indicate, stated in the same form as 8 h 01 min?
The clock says 12 h 03 min
